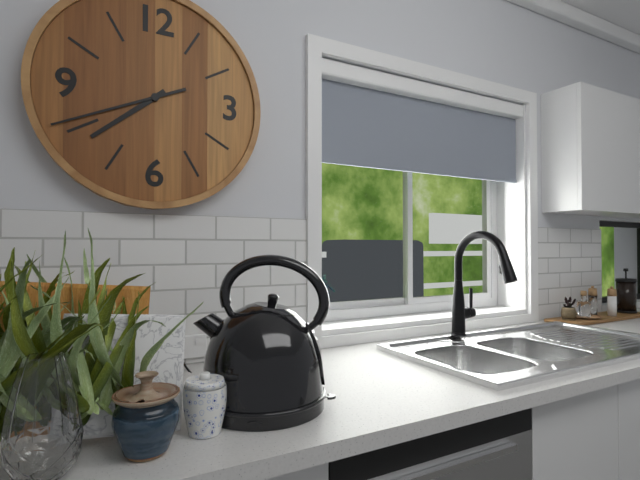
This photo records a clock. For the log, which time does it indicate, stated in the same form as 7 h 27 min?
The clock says 7 h 41 min
